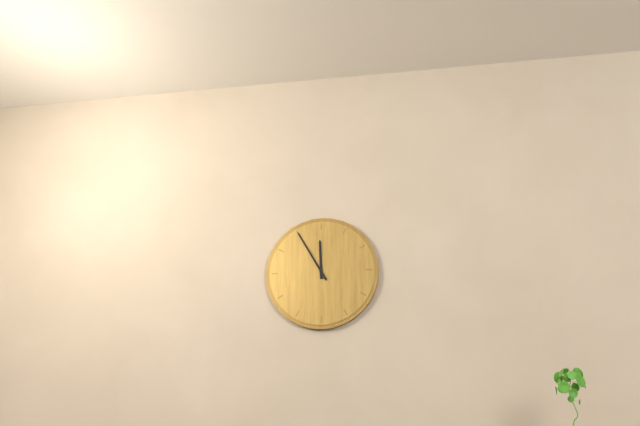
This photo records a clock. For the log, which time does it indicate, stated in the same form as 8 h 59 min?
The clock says 11 h 55 min
